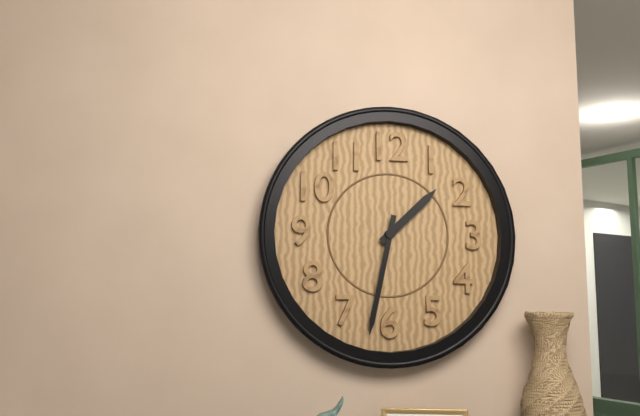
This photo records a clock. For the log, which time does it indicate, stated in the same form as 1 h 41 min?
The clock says 1 h 32 min
